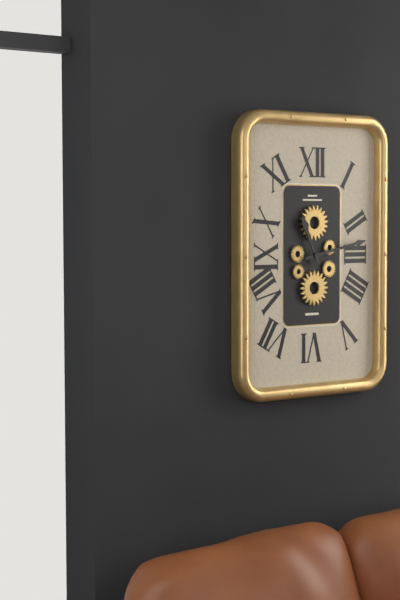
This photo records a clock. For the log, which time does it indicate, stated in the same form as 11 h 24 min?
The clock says 11 h 13 min
